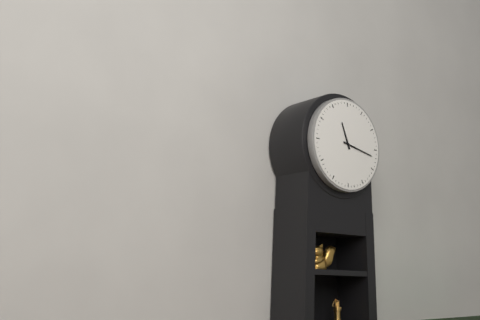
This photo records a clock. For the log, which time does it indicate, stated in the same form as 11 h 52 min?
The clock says 11 h 17 min
